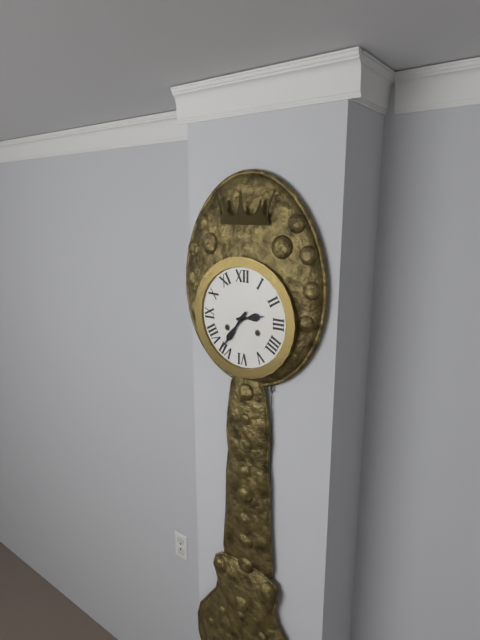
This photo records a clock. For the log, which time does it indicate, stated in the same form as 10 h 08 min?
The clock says 2 h 36 min
